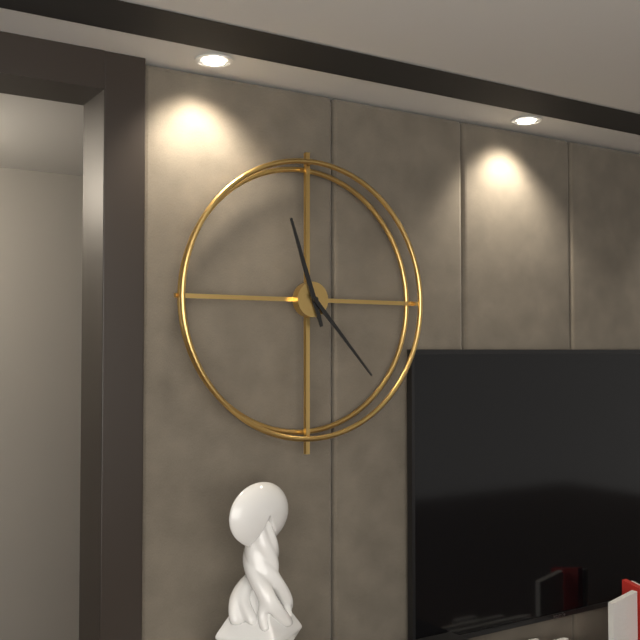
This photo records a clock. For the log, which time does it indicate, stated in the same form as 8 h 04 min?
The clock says 11 h 23 min
